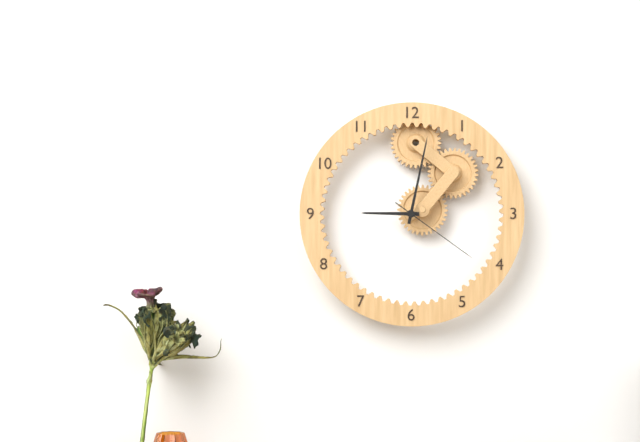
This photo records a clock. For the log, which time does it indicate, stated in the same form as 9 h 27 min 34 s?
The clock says 9 h 02 min 21 s
